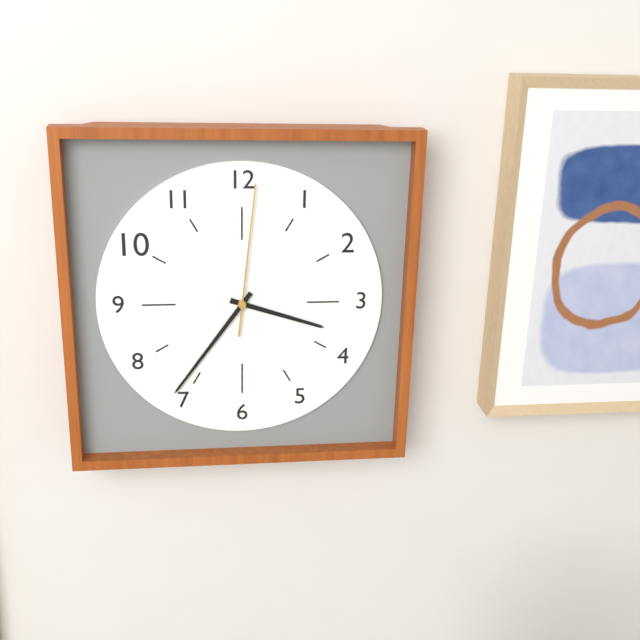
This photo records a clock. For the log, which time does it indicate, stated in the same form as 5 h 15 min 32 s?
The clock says 3 h 36 min 01 s
